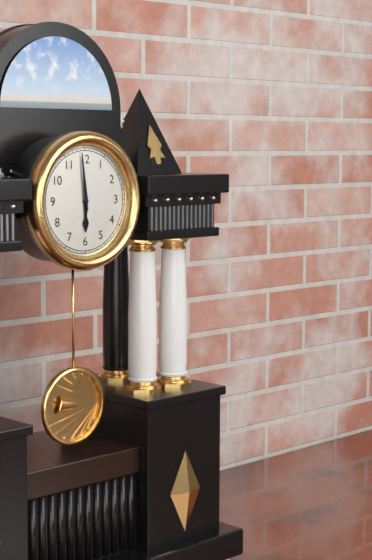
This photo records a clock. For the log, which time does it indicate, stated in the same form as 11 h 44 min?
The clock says 5 h 59 min
